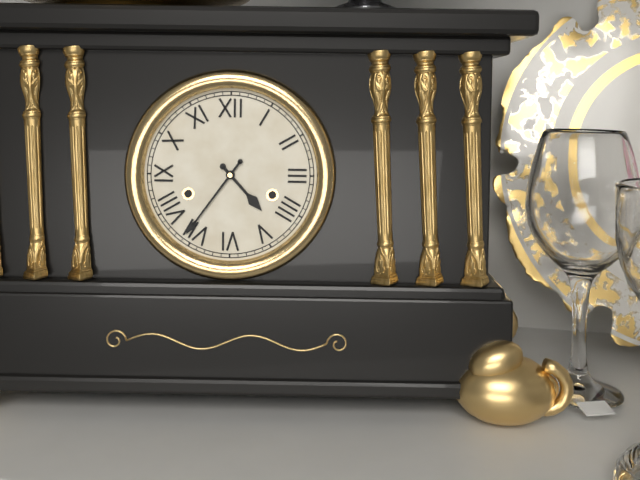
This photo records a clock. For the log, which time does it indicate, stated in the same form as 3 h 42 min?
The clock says 4 h 36 min
